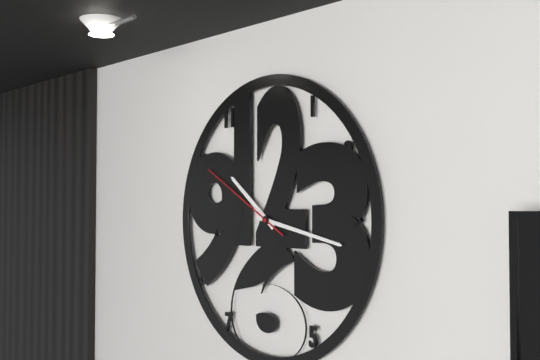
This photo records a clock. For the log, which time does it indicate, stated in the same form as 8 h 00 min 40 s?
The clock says 10 h 17 min 50 s
